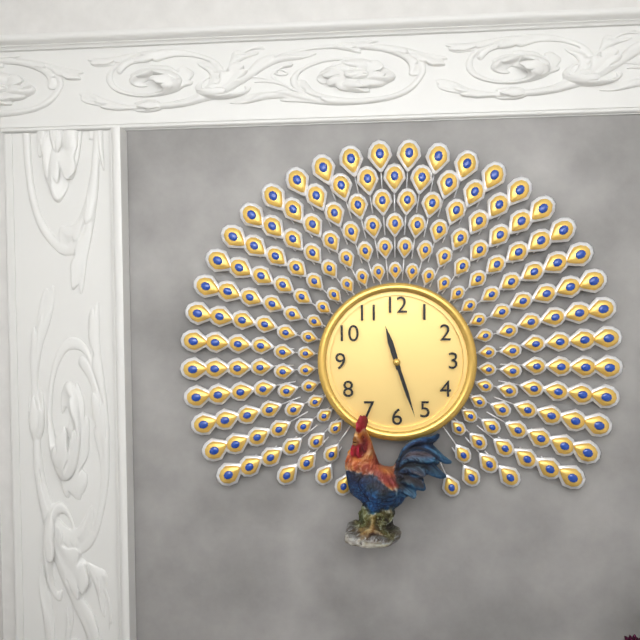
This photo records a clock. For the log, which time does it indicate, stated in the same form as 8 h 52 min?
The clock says 11 h 27 min
